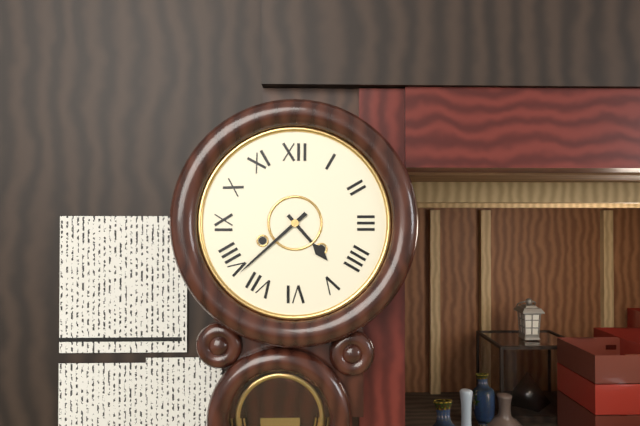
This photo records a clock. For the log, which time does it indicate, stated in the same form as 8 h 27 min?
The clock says 4 h 38 min
